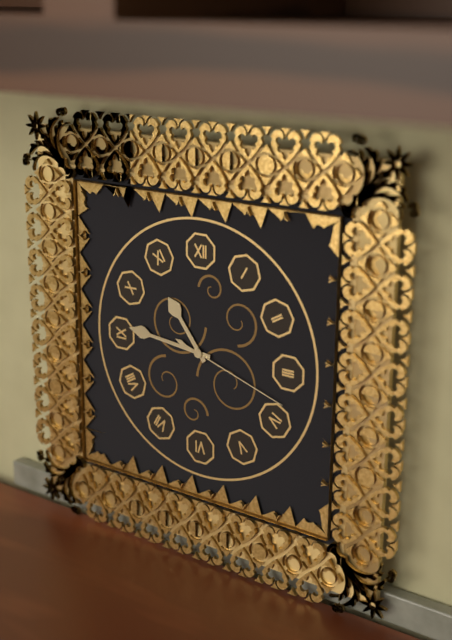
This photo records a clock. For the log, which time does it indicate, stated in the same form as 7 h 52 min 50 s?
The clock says 10 h 46 min 18 s
